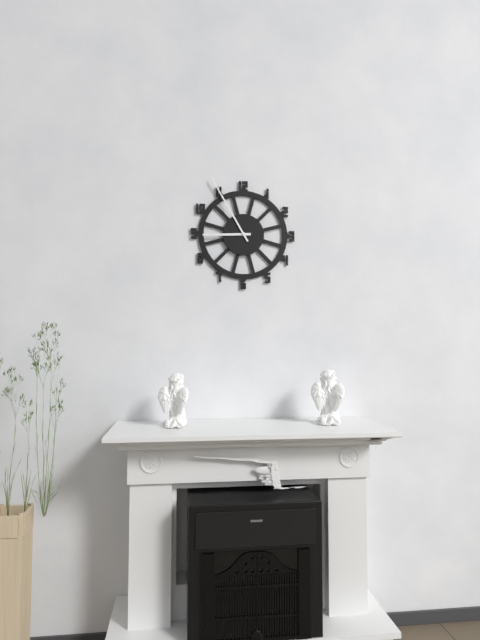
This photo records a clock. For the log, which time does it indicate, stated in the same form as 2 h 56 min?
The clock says 8 h 55 min
